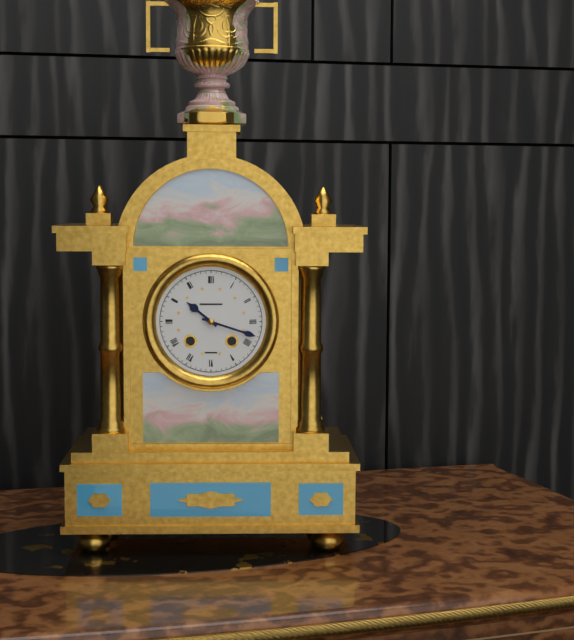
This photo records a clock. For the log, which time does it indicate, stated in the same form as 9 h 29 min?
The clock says 10 h 18 min
